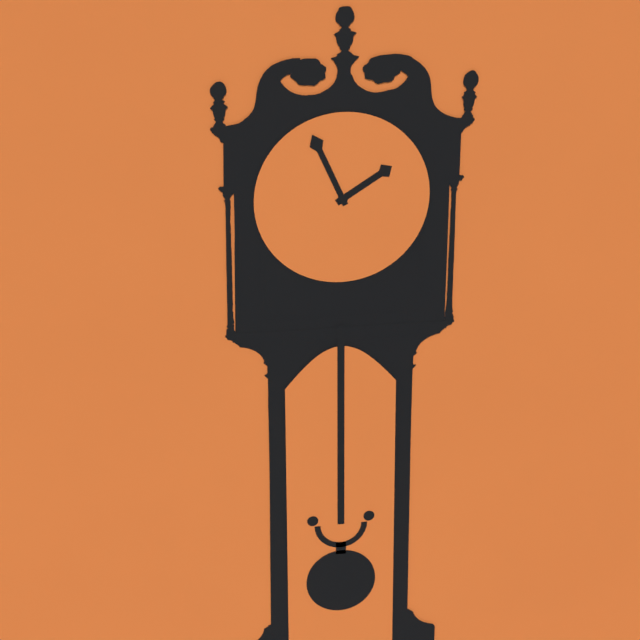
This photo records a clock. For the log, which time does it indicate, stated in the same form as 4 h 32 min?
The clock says 1 h 56 min
